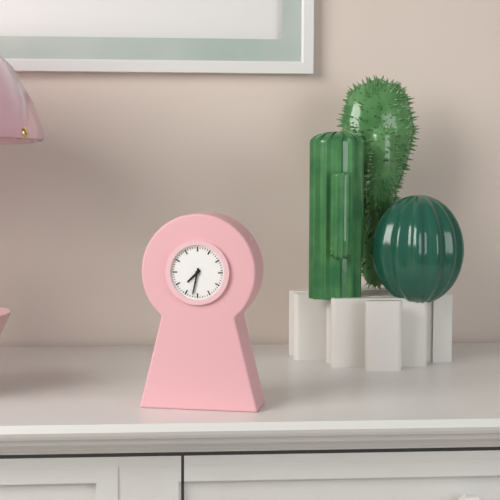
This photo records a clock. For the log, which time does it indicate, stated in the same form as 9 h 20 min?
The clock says 7 h 32 min
